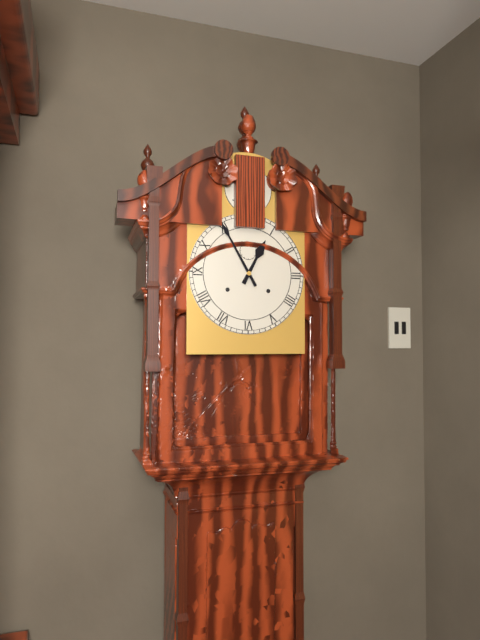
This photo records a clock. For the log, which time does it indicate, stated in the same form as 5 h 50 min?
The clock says 12 h 55 min
